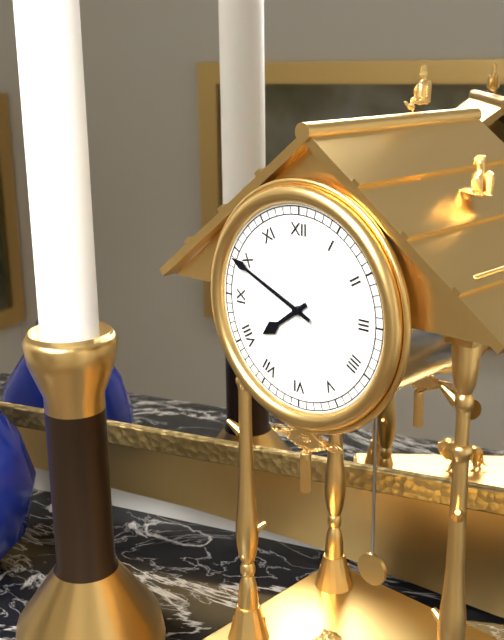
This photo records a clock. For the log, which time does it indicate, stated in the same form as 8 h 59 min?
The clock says 7 h 49 min
